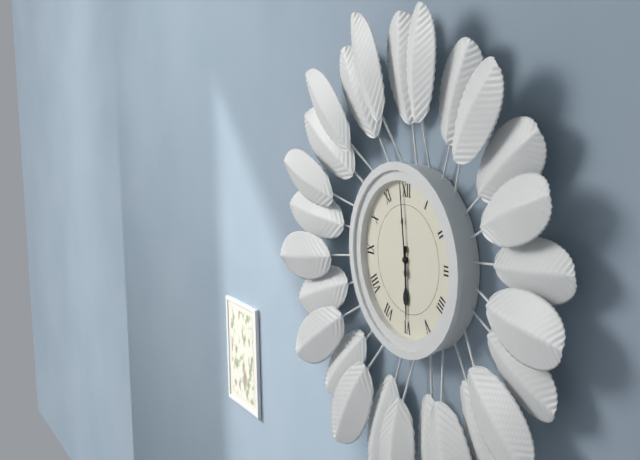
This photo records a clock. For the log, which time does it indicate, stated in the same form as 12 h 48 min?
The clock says 5 h 59 min
